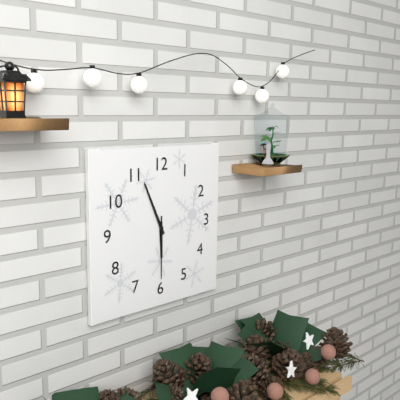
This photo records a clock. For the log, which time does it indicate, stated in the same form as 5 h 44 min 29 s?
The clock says 5 h 56 min 30 s
